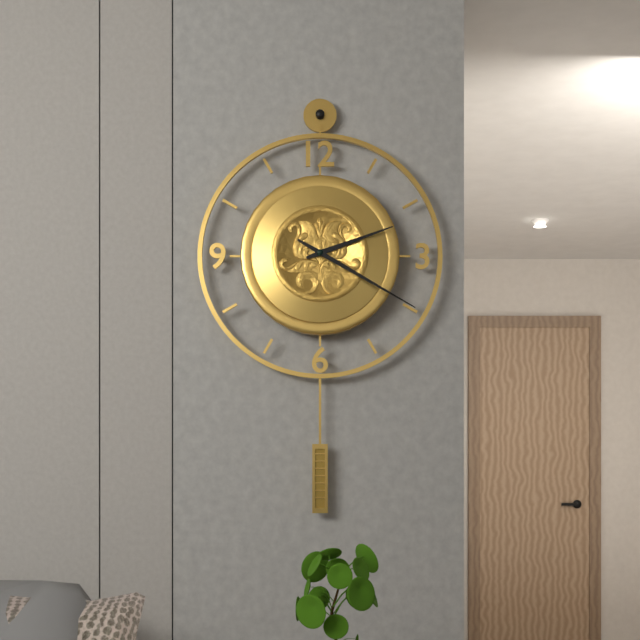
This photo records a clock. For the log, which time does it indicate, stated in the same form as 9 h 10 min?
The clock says 2 h 20 min
